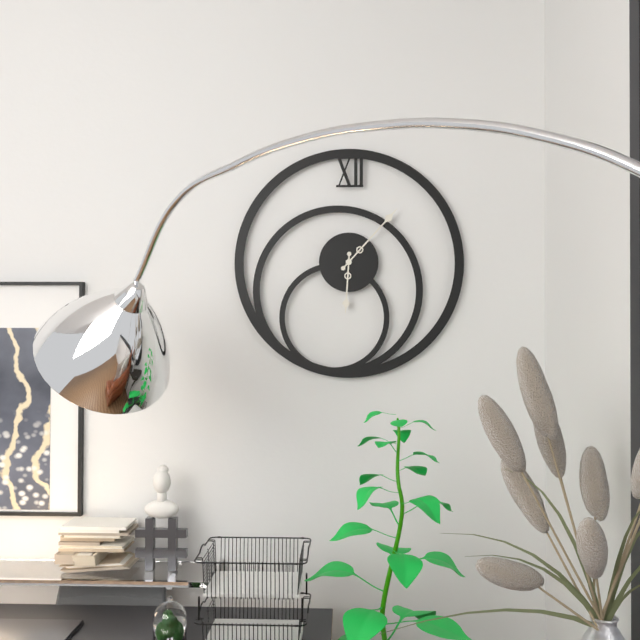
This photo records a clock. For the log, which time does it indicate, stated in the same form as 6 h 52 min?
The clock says 6 h 07 min
